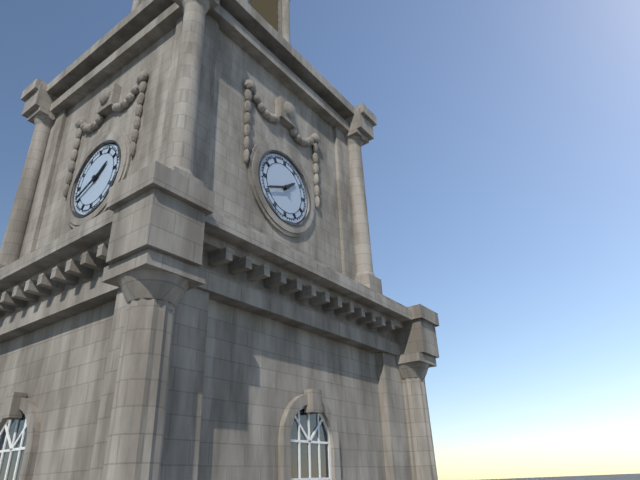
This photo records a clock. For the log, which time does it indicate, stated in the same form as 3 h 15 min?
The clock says 1 h 41 min
